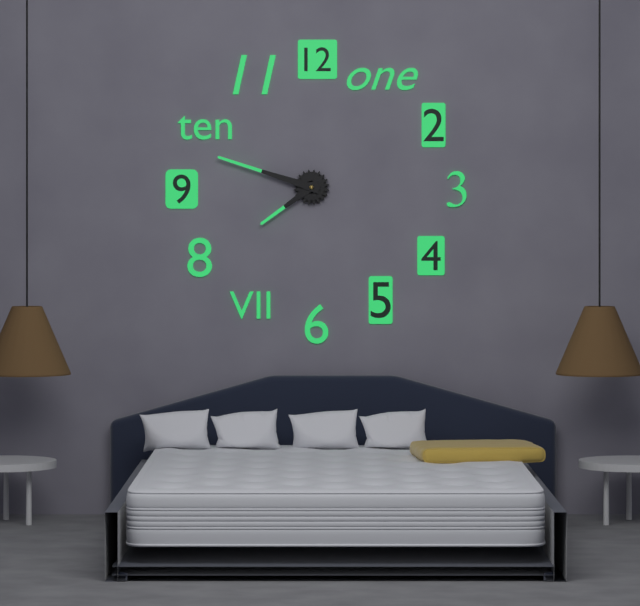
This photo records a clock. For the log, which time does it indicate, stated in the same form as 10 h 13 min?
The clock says 7 h 48 min
